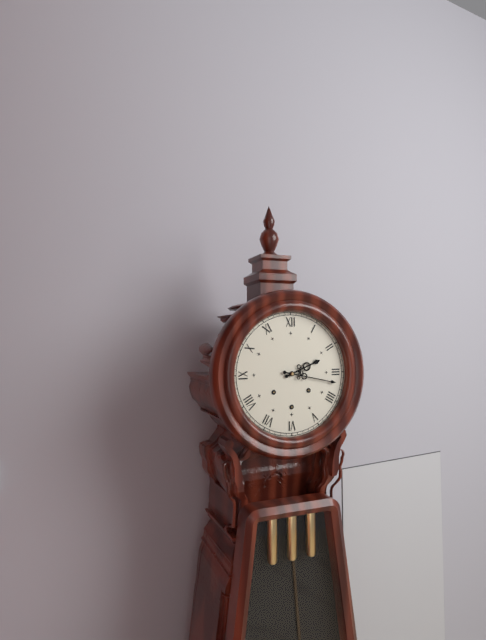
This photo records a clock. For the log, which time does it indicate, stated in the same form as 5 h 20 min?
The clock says 2 h 17 min
